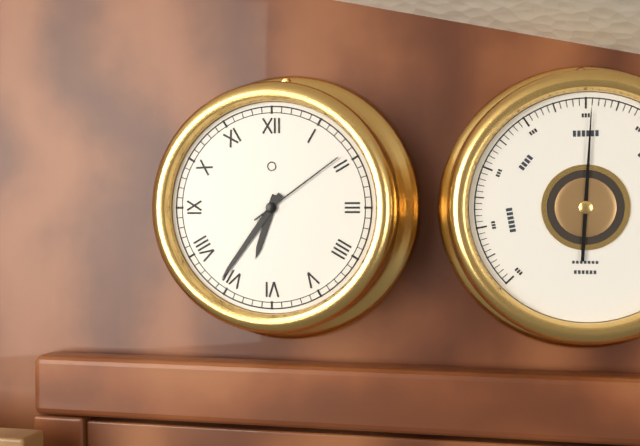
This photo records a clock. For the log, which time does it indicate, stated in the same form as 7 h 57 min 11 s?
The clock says 6 h 36 min 09 s
